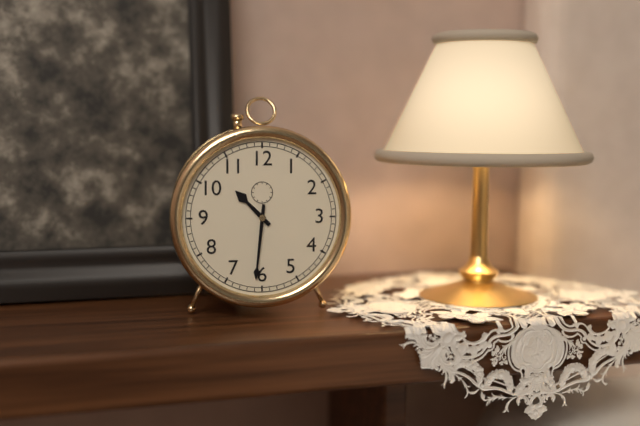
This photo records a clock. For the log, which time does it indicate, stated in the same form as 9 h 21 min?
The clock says 10 h 31 min
